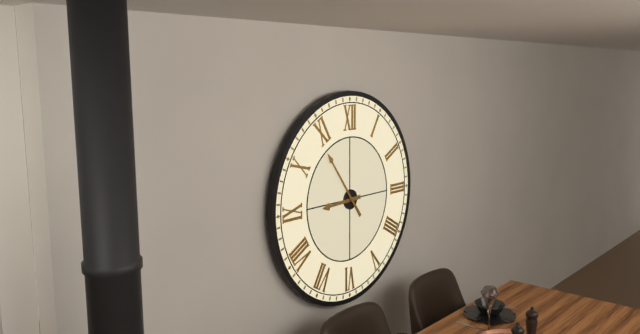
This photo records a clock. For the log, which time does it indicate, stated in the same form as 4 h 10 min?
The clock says 8 h 54 min
